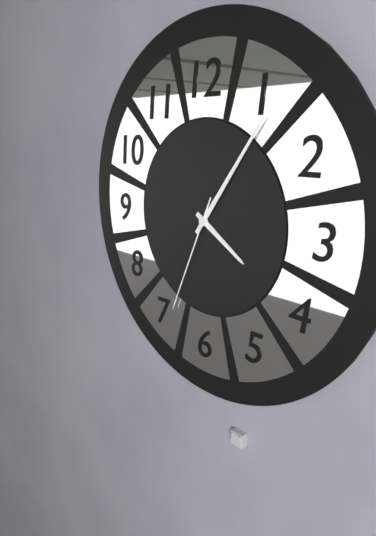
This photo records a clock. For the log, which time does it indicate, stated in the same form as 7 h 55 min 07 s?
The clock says 4 h 06 min 34 s
